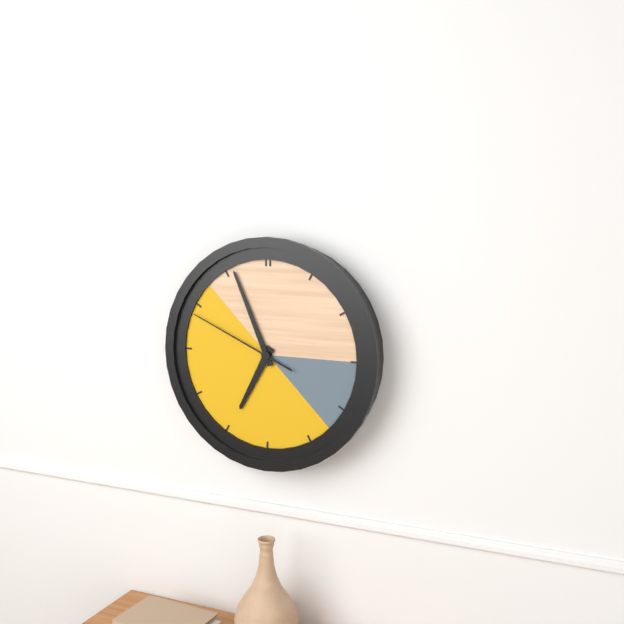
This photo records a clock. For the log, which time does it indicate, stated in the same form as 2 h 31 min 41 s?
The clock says 6 h 56 min 49 s
